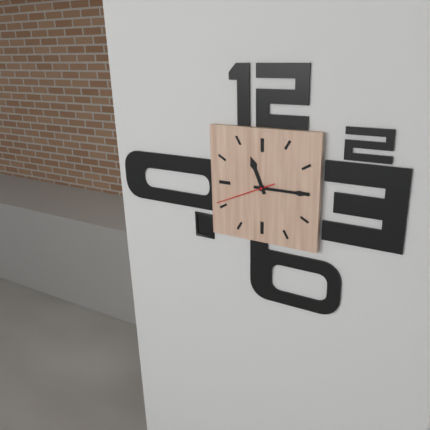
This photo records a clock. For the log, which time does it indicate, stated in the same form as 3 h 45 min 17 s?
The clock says 11 h 15 min 41 s
